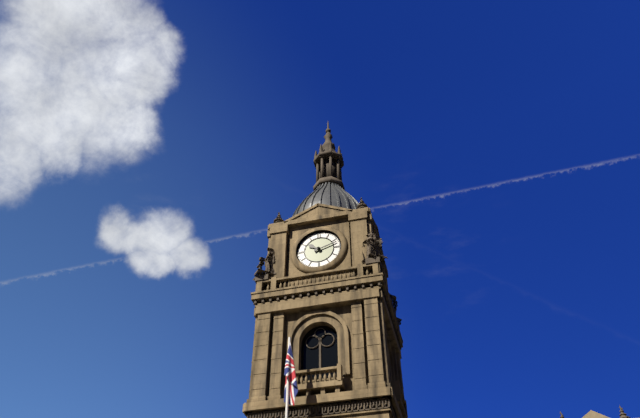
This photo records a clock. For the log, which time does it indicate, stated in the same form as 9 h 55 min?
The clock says 10 h 12 min
